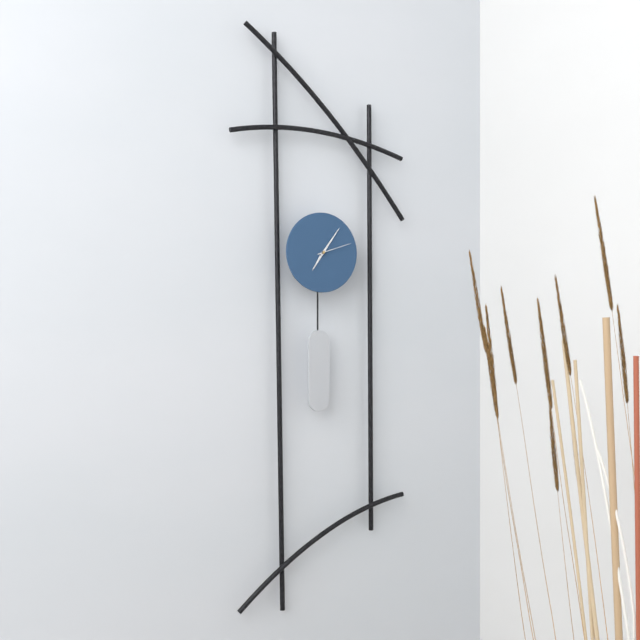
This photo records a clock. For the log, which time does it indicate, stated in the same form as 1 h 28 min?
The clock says 7 h 06 min
